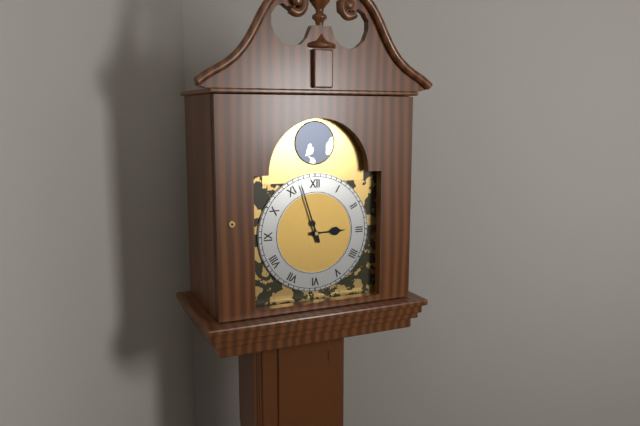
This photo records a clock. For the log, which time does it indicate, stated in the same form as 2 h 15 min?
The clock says 2 h 57 min
